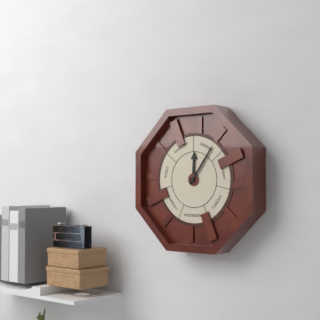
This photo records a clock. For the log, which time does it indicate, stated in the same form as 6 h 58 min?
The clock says 12 h 06 min
